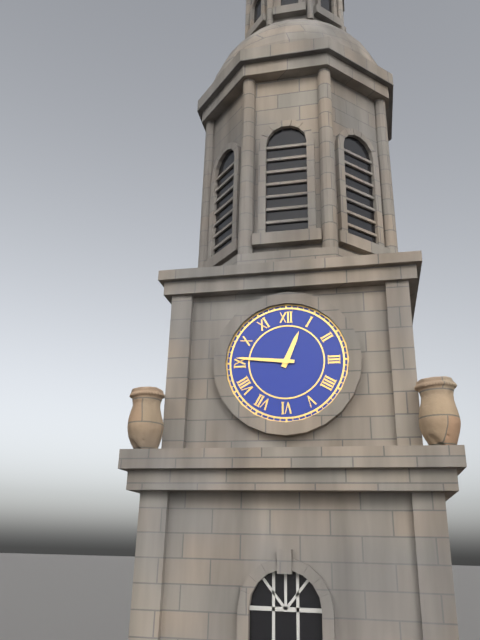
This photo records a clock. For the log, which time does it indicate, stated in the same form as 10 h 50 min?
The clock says 12 h 46 min
